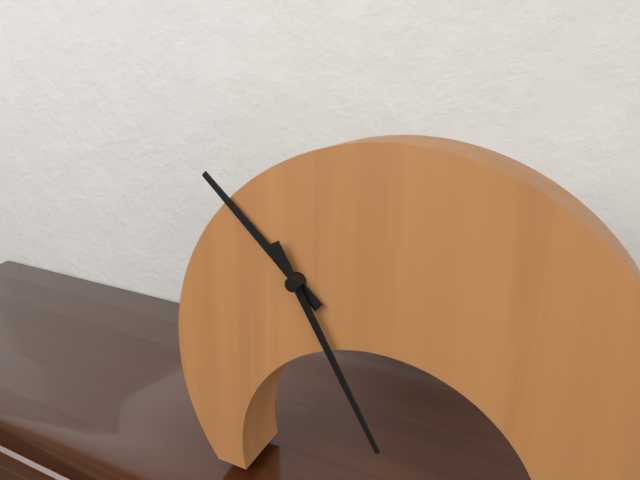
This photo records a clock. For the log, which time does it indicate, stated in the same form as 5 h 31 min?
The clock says 10 h 25 min
